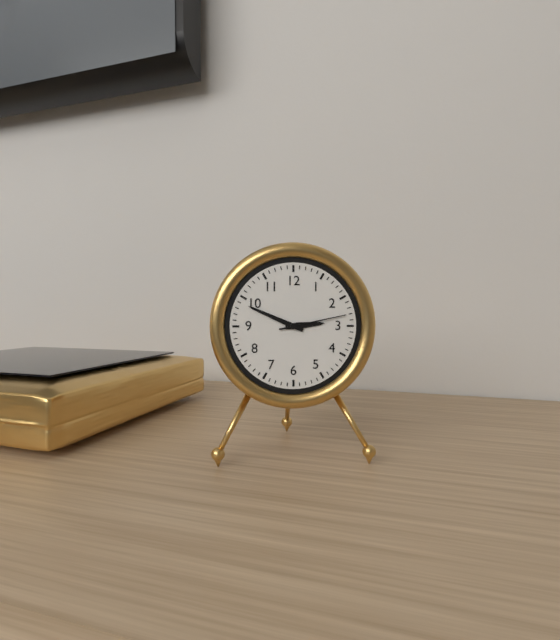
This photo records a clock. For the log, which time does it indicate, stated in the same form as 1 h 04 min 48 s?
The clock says 2 h 49 min 13 s
